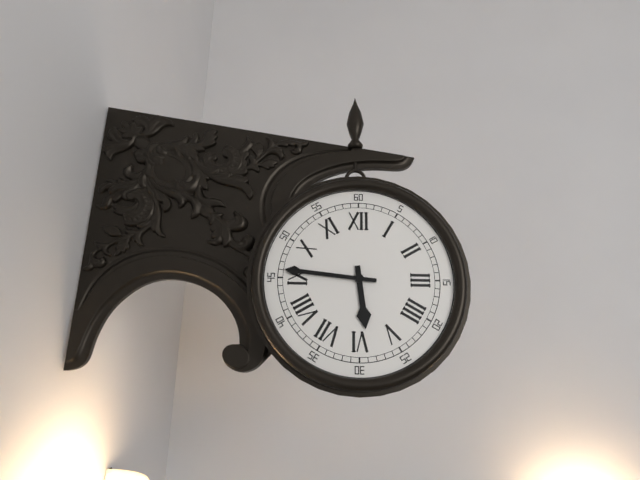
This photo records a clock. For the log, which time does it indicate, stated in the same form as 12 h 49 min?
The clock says 5 h 46 min
